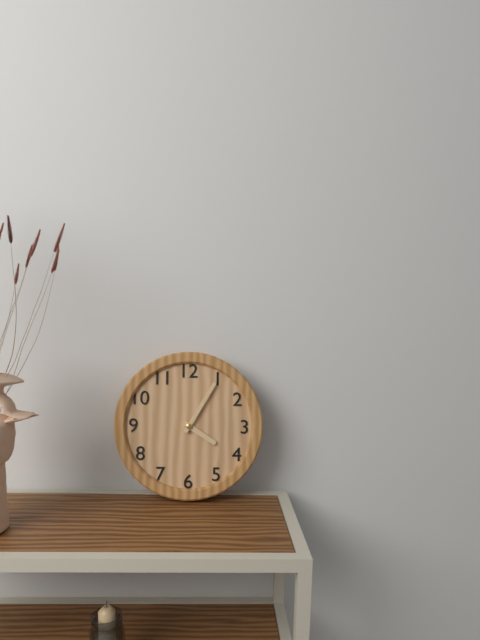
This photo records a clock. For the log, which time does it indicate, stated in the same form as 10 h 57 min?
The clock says 4 h 05 min
